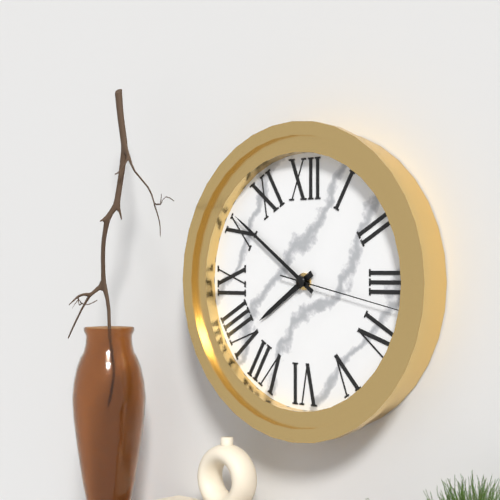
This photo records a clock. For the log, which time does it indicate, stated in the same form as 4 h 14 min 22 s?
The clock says 7 h 51 min 17 s
